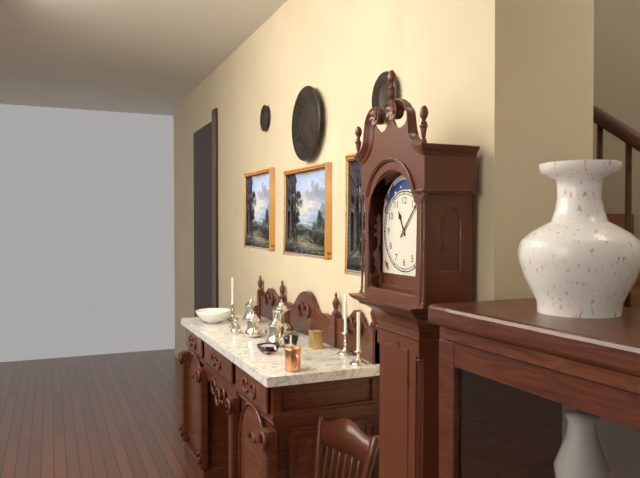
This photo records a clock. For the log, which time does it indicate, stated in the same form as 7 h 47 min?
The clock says 11 h 07 min
